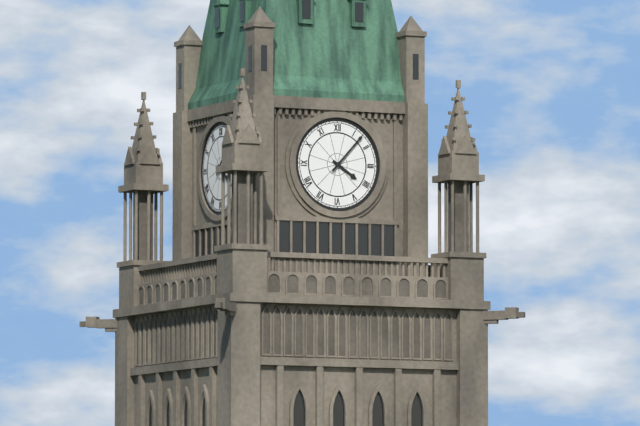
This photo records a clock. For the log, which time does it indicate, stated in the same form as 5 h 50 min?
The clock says 4 h 07 min
